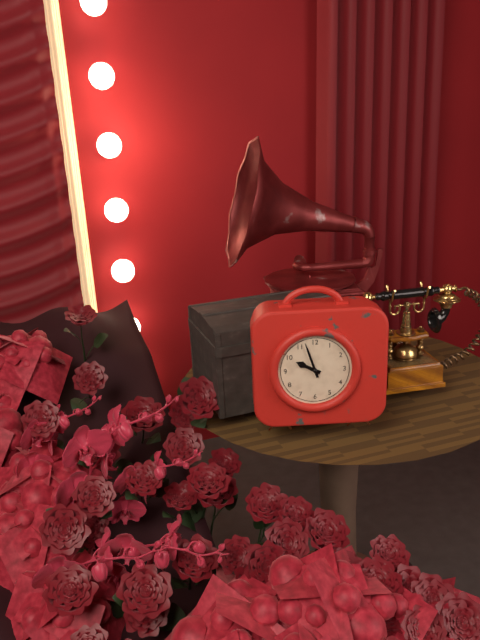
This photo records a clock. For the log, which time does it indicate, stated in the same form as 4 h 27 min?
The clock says 9 h 57 min
